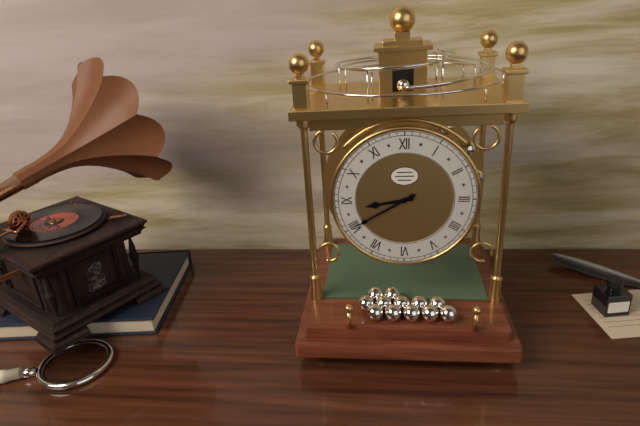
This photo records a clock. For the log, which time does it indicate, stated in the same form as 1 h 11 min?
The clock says 8 h 40 min
